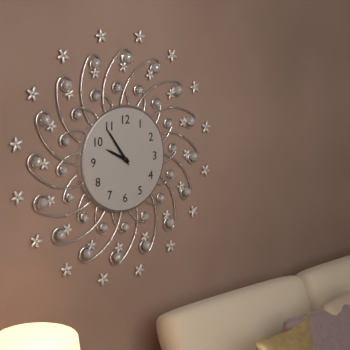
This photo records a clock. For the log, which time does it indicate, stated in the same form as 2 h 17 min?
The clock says 9 h 54 min
